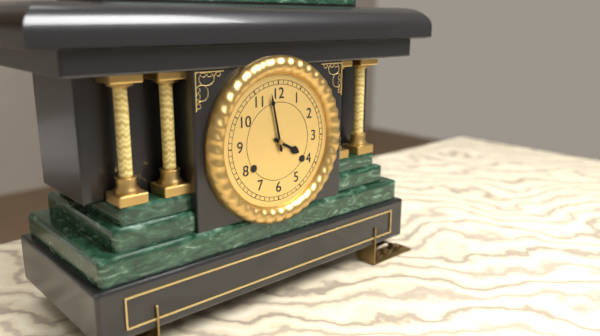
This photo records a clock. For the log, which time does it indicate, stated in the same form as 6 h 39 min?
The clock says 3 h 58 min
